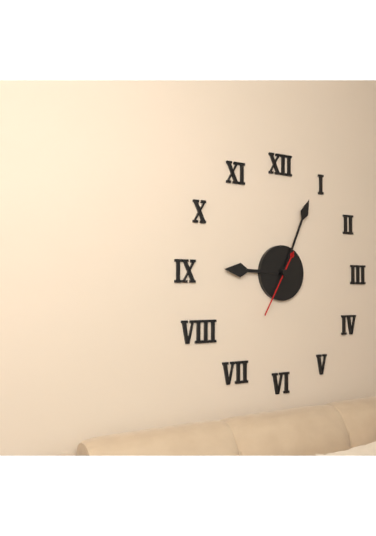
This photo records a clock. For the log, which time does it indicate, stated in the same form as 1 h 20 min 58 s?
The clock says 9 h 04 min 35 s
